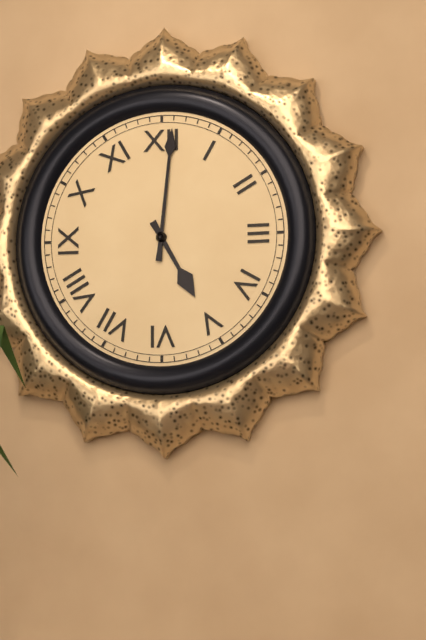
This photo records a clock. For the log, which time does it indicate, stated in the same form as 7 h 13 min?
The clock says 5 h 01 min
